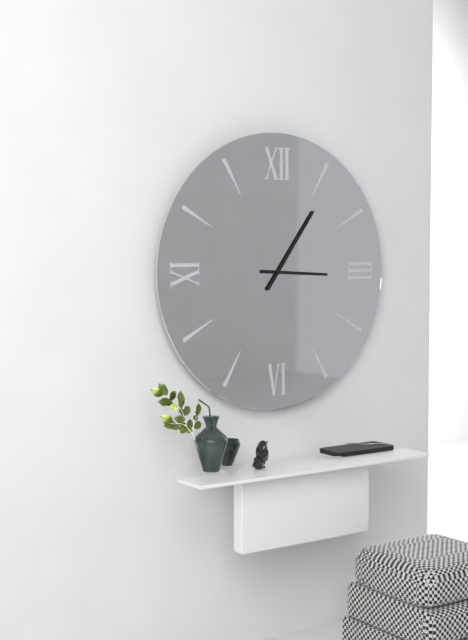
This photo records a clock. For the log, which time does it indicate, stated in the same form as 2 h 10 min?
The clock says 3 h 06 min
